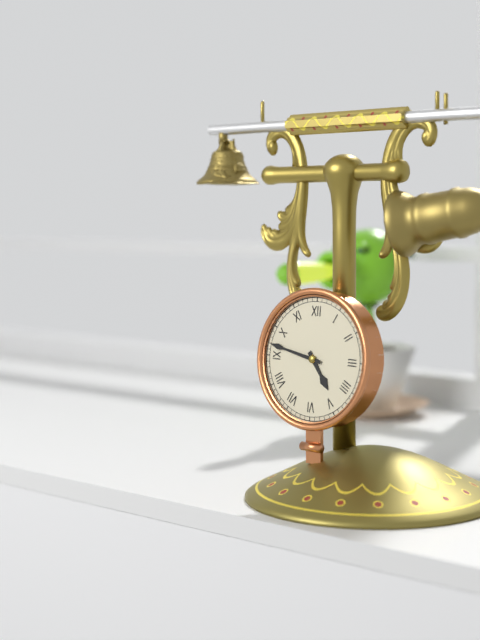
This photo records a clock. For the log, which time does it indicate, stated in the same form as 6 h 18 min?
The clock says 4 h 47 min
